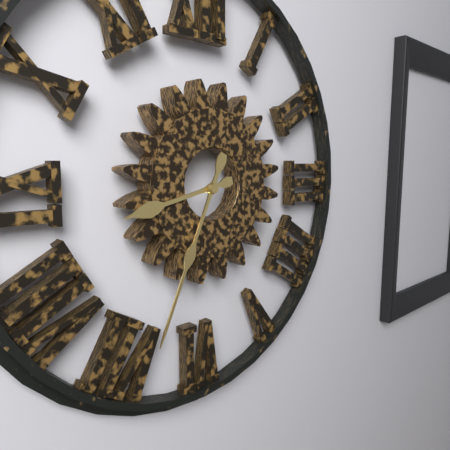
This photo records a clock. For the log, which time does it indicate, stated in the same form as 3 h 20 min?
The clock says 8 h 34 min
